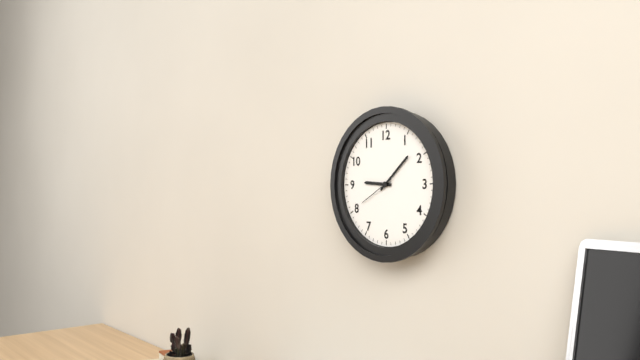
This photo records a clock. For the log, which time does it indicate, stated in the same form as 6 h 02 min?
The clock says 9 h 08 min
